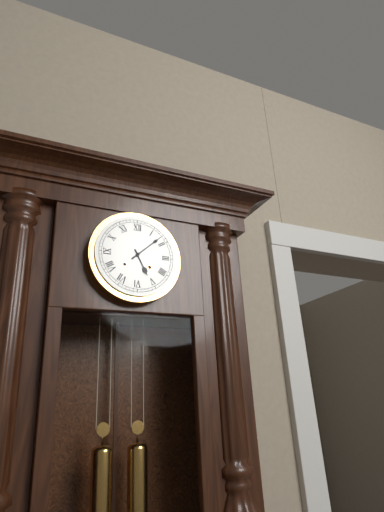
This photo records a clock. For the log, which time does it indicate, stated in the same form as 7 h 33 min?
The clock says 5 h 08 min
